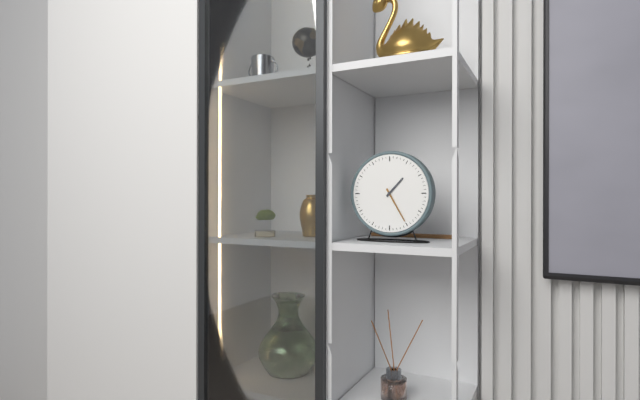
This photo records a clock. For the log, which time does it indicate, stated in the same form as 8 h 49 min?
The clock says 1 h 25 min
